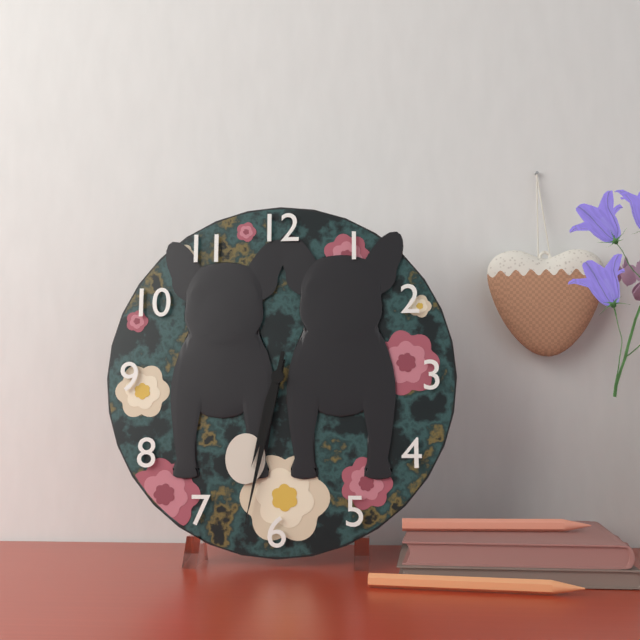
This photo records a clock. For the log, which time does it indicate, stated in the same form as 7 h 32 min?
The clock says 6 h 32 min
